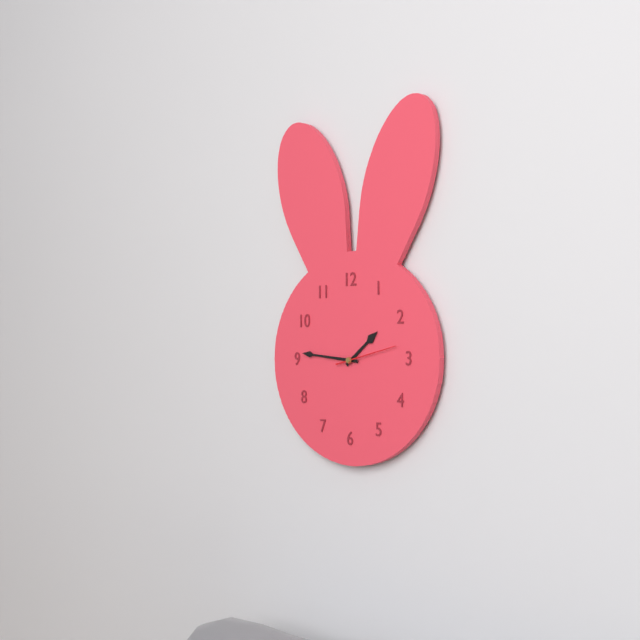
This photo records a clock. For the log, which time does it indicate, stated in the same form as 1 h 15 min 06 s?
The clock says 1 h 46 min 13 s
